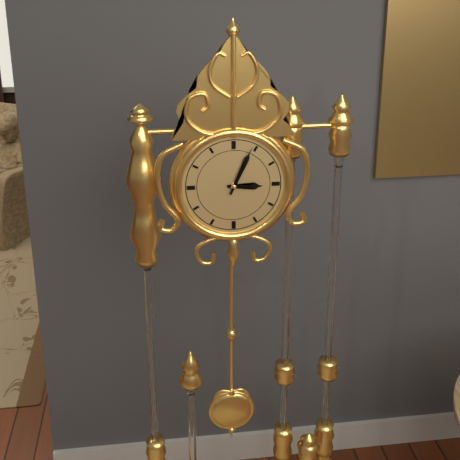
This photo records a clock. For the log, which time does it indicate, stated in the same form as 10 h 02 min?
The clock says 3 h 04 min
